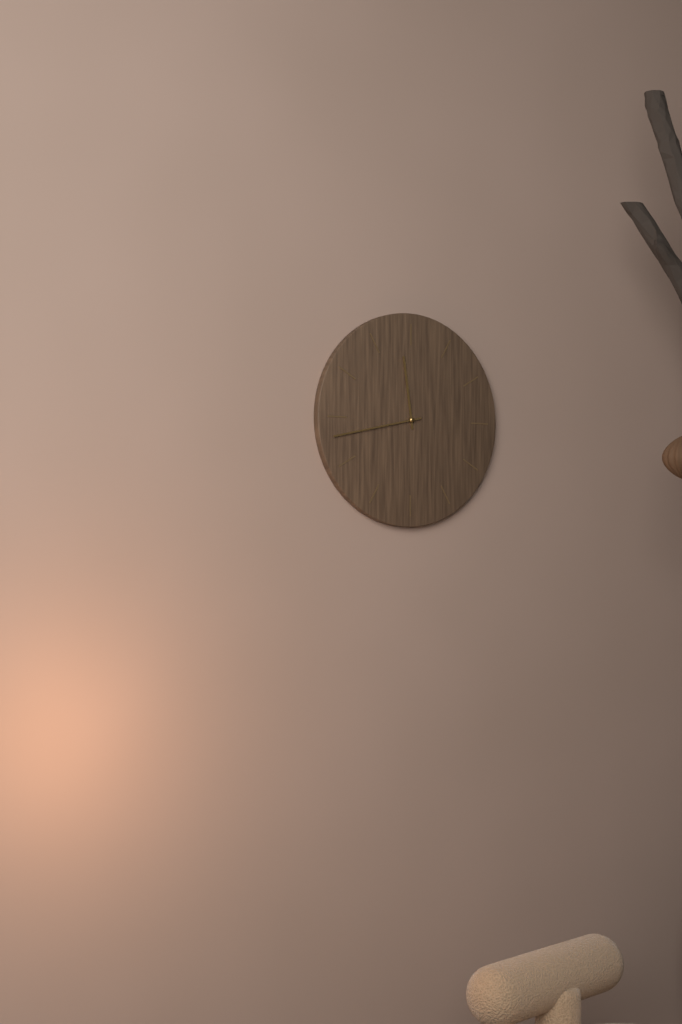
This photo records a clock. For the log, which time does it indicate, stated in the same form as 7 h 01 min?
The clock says 11 h 43 min
